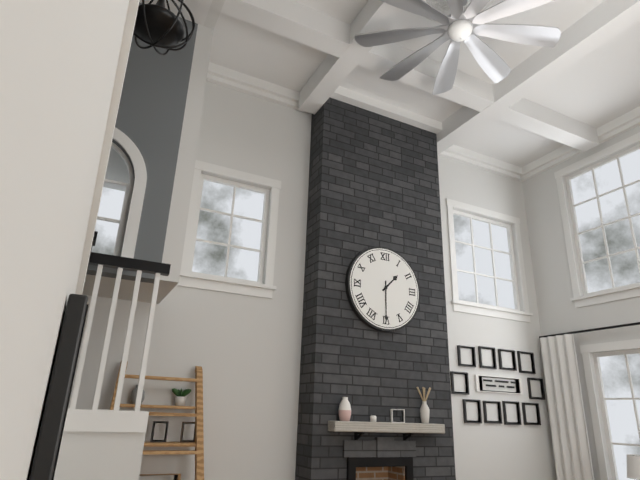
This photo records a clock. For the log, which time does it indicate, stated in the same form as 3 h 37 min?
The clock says 1 h 30 min
